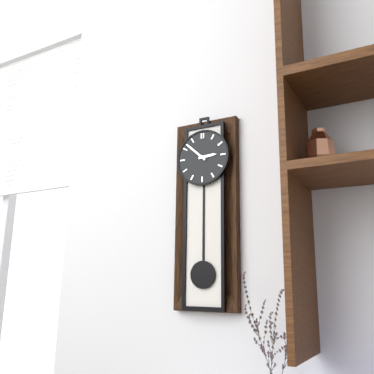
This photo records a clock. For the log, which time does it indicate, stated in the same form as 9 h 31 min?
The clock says 2 h 52 min
